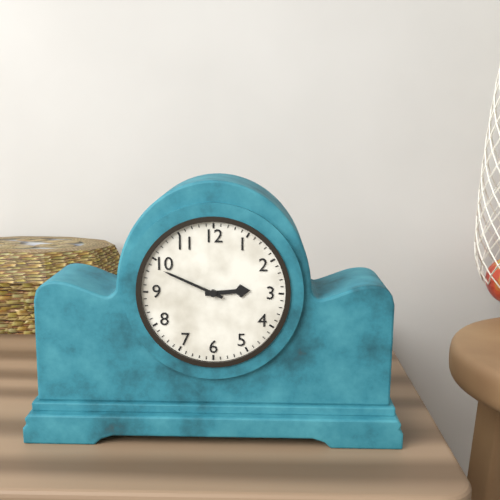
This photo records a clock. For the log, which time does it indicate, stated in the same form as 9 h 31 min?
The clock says 2 h 49 min
